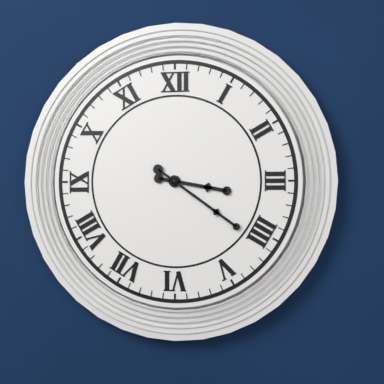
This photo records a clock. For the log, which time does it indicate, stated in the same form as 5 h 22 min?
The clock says 3 h 21 min
